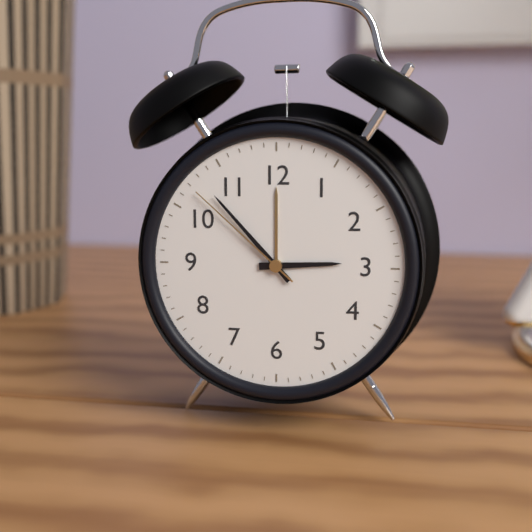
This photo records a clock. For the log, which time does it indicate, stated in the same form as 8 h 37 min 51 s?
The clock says 2 h 53 min 52 s
